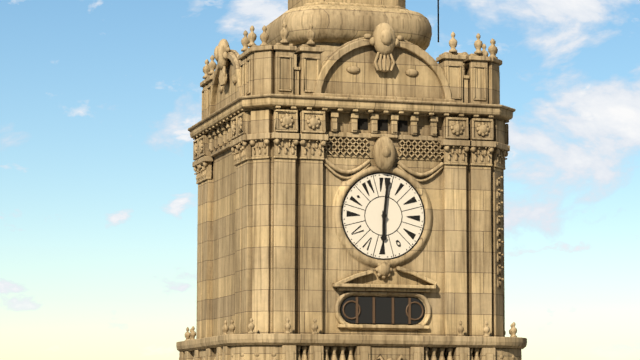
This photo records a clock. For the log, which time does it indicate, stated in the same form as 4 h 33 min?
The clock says 6 h 01 min
